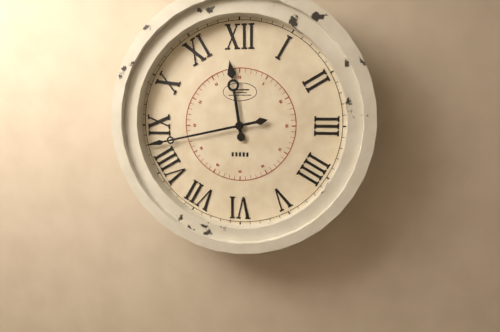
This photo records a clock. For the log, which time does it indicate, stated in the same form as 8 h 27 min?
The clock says 11 h 43 min
